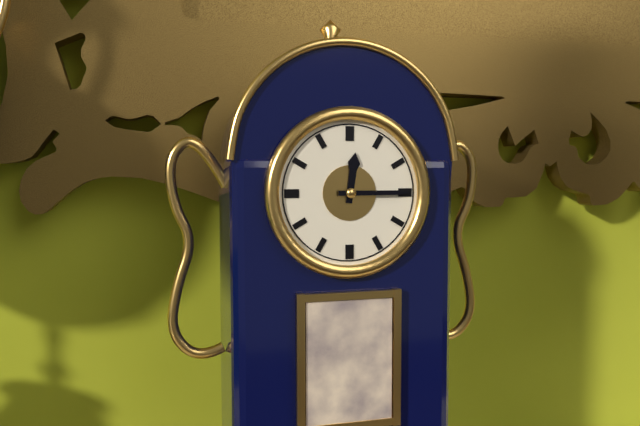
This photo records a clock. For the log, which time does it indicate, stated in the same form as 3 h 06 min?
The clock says 12 h 15 min
